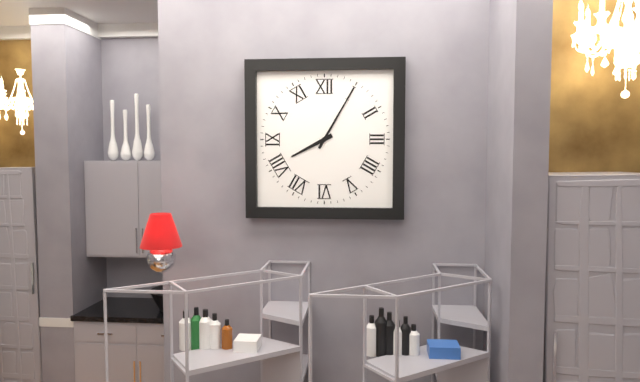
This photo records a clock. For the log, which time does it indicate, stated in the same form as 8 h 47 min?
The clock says 8 h 05 min
